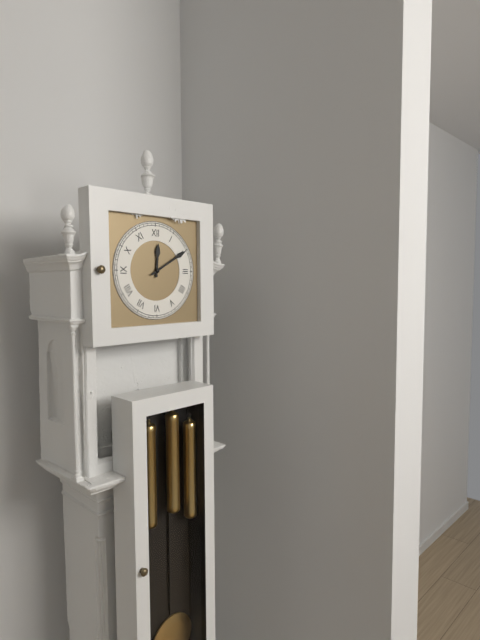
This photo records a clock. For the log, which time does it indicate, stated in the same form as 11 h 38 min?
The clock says 12 h 10 min
